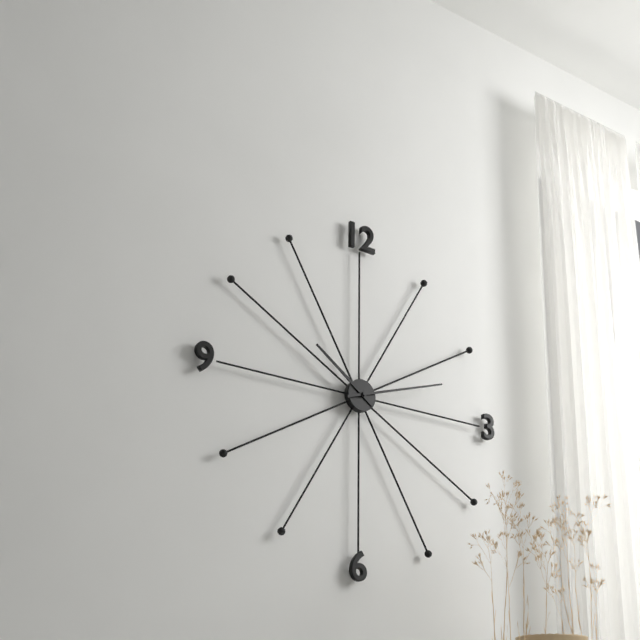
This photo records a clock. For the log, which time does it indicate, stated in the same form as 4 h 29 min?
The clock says 10 h 12 min
